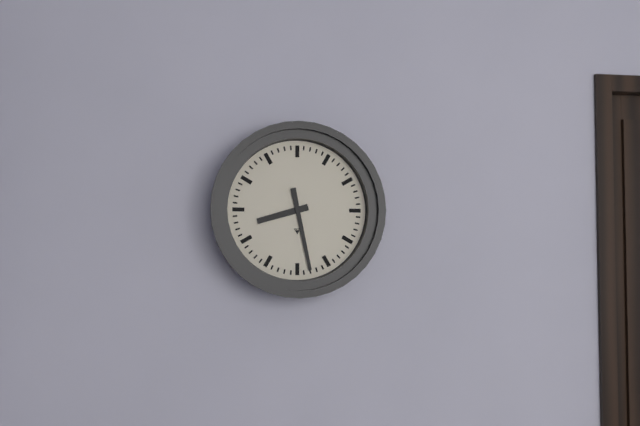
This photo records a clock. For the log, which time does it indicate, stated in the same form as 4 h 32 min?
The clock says 8 h 28 min
